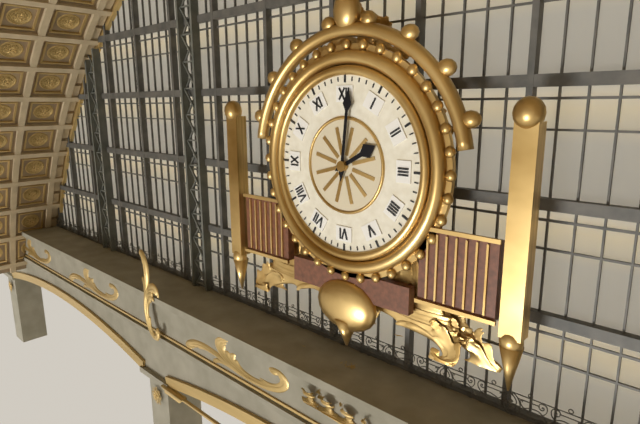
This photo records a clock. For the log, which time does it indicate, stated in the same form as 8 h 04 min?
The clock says 2 h 01 min
